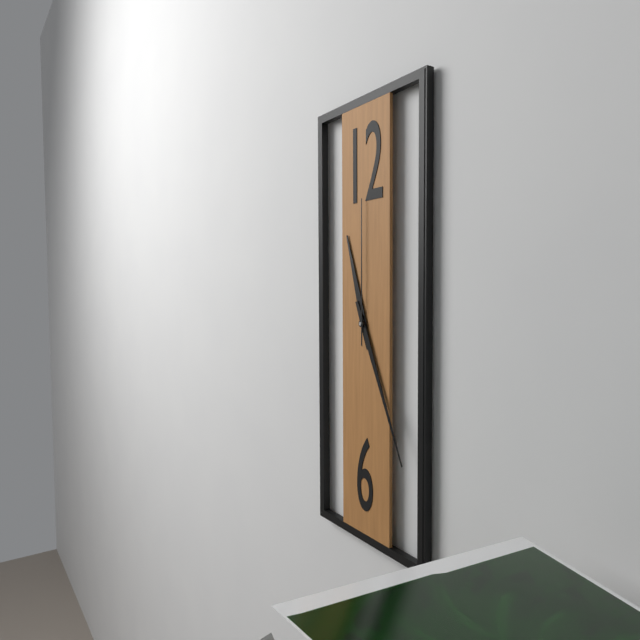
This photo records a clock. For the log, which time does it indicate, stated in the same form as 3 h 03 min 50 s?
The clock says 11 h 26 min 00 s
